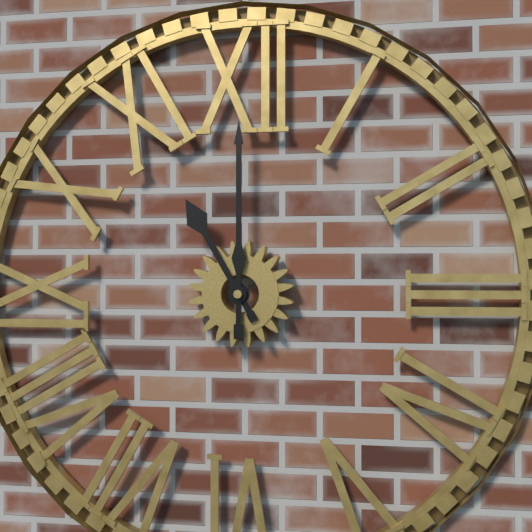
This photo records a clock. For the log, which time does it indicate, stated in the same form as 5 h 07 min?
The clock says 11 h 00 min
